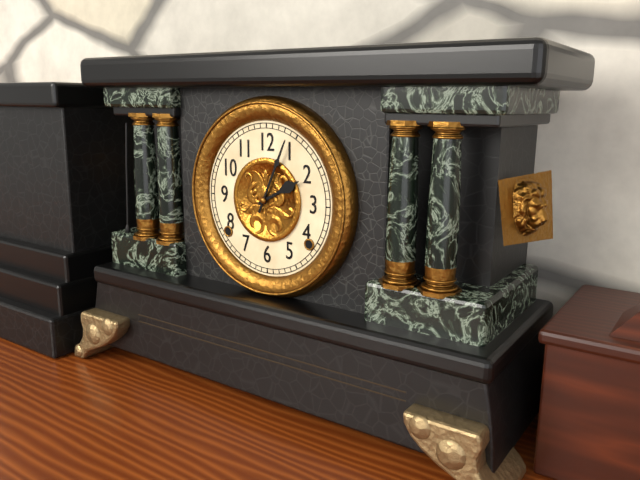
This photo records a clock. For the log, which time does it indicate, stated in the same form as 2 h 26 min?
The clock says 2 h 04 min
